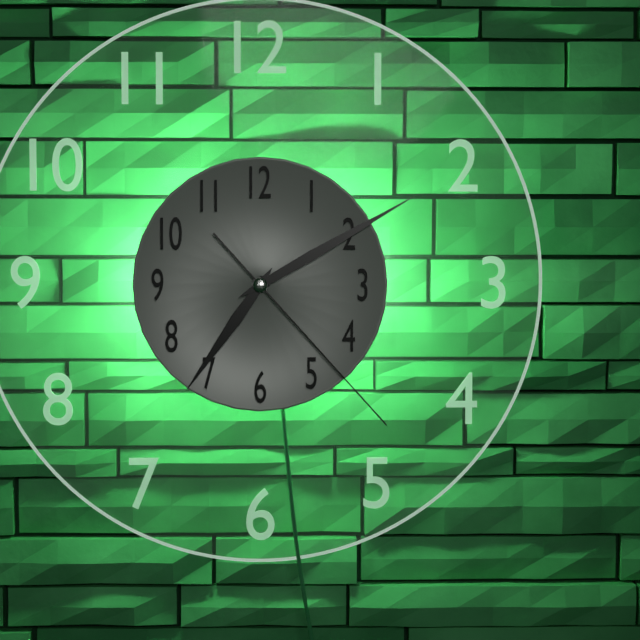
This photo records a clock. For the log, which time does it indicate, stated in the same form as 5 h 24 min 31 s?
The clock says 7 h 10 min 23 s
